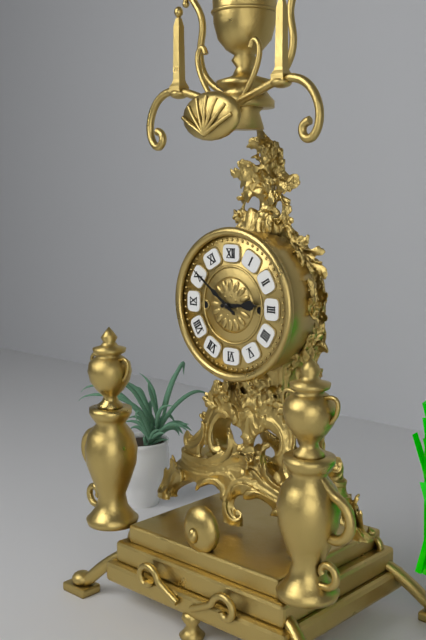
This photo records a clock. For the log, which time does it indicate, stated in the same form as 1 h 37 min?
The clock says 2 h 51 min
